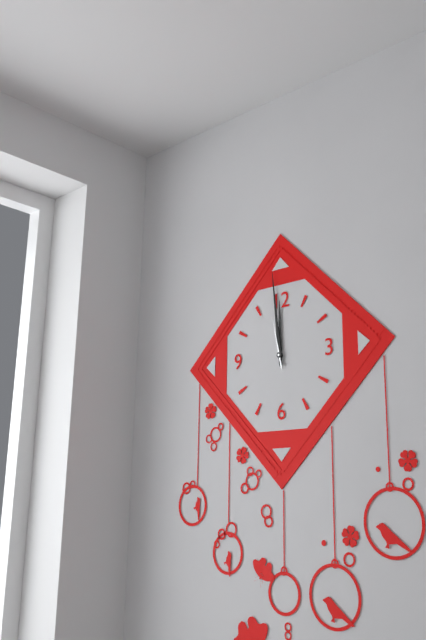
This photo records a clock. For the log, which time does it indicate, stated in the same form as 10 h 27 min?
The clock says 11 h 59 min
